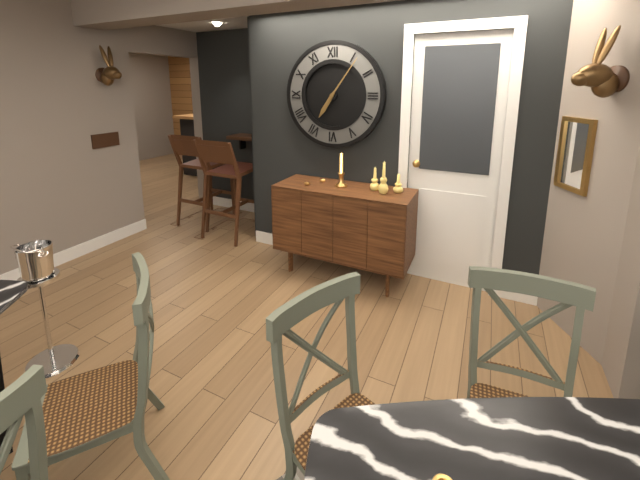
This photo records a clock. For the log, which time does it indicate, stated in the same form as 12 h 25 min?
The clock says 7 h 06 min
